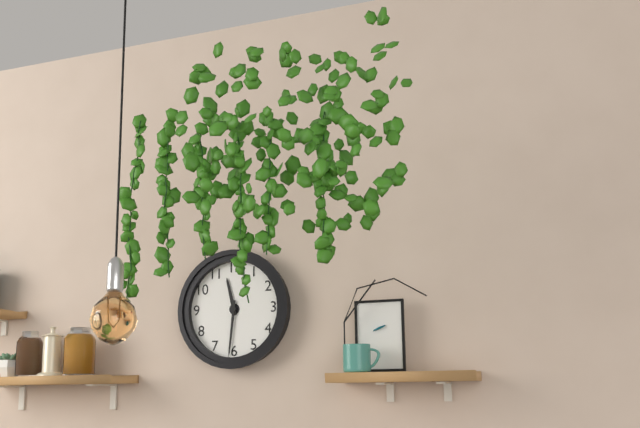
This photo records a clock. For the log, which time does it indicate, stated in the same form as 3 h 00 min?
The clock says 11 h 31 min
